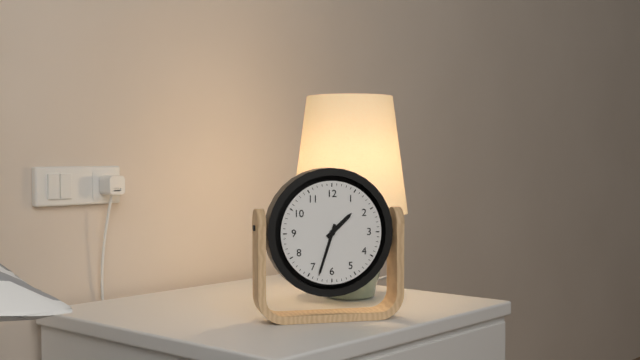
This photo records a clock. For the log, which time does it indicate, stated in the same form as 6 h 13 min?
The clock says 1 h 33 min
